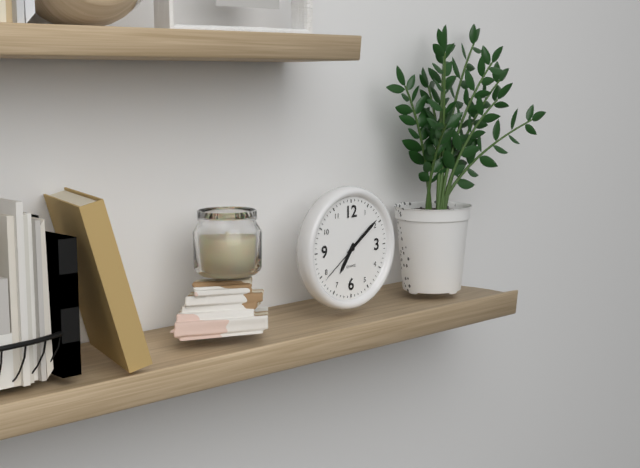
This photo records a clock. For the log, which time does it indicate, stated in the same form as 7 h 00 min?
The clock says 7 h 09 min
